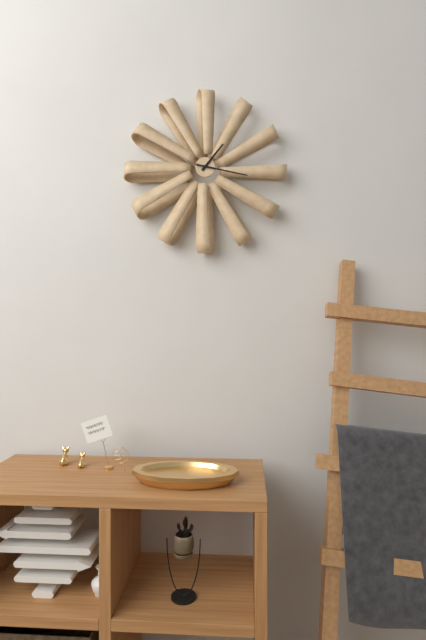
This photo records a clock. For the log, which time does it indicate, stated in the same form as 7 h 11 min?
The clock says 1 h 17 min
